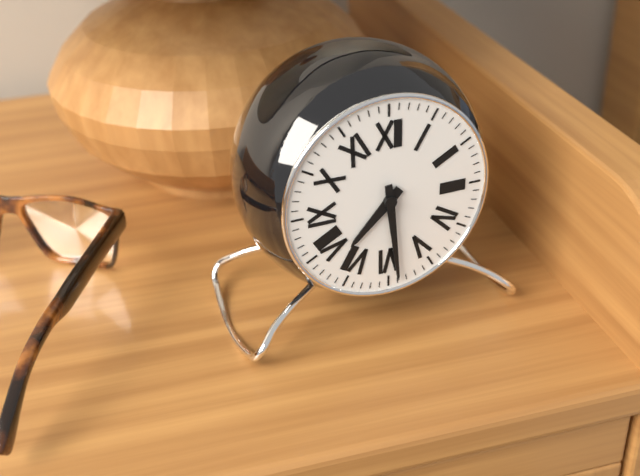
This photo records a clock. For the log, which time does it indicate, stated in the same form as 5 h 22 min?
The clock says 7 h 29 min
